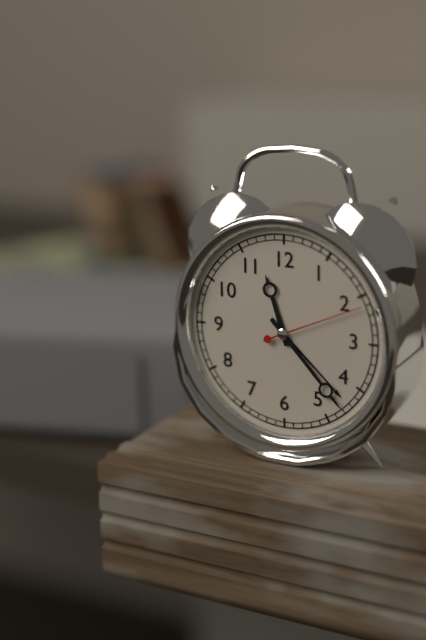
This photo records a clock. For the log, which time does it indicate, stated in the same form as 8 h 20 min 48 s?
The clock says 11 h 23 min 11 s
